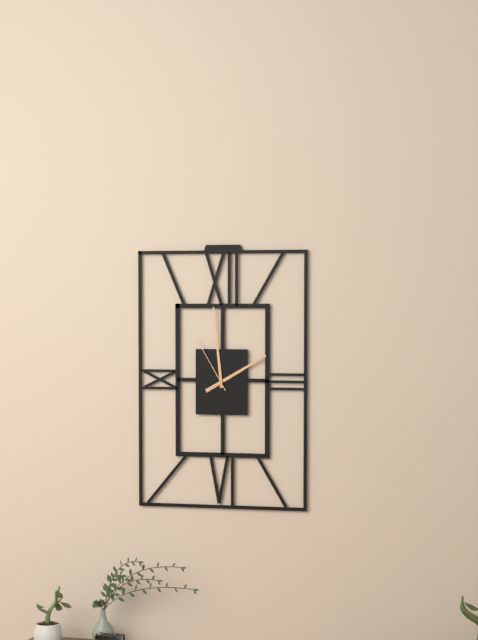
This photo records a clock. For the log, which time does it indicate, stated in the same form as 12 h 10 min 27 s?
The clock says 1 h 59 min 55 s
